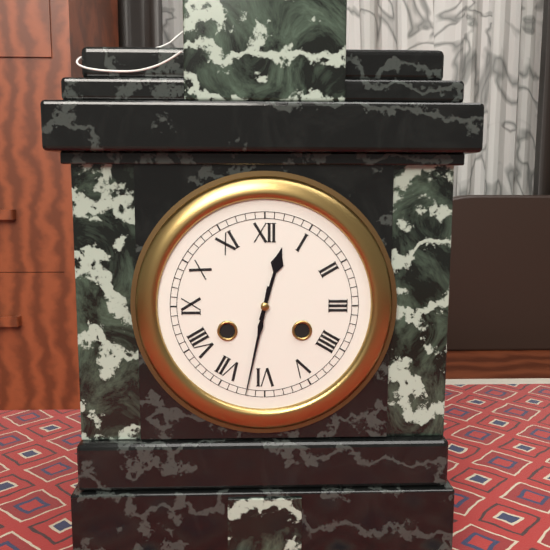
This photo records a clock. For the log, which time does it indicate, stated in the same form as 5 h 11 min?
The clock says 12 h 32 min
